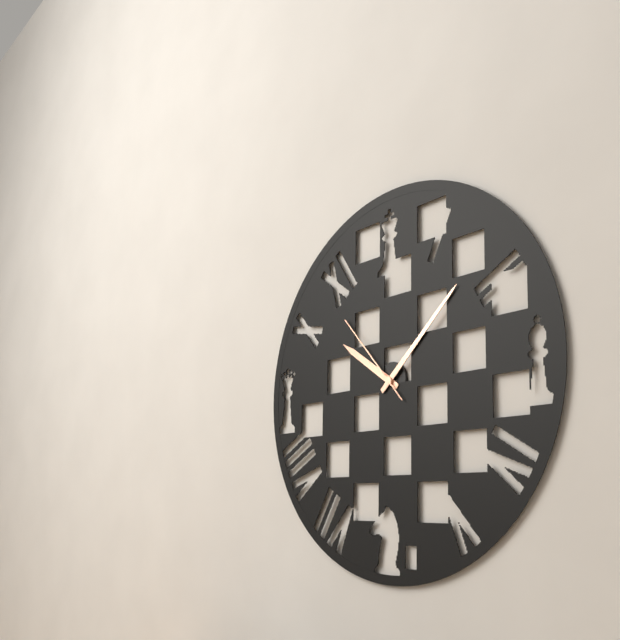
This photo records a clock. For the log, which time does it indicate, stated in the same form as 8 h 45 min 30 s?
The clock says 10 h 08 min 53 s
